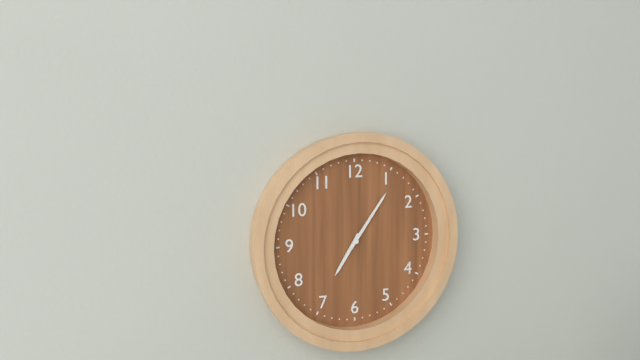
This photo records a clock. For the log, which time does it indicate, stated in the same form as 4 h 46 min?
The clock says 7 h 06 min
